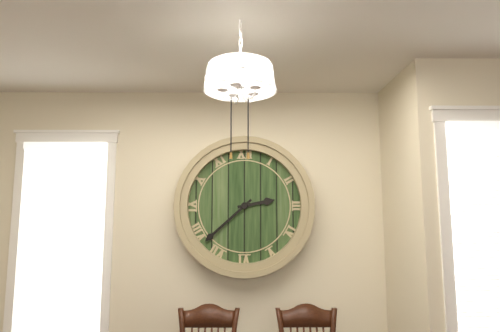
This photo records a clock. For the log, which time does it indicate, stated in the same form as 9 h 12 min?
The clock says 2 h 38 min
